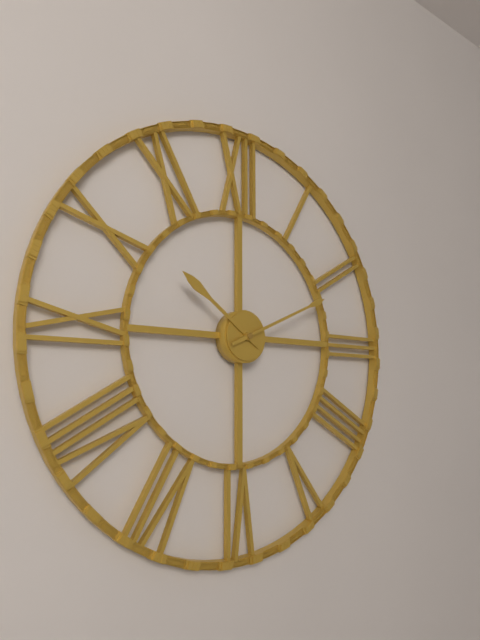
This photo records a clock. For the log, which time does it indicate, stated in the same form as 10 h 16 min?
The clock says 10 h 11 min
